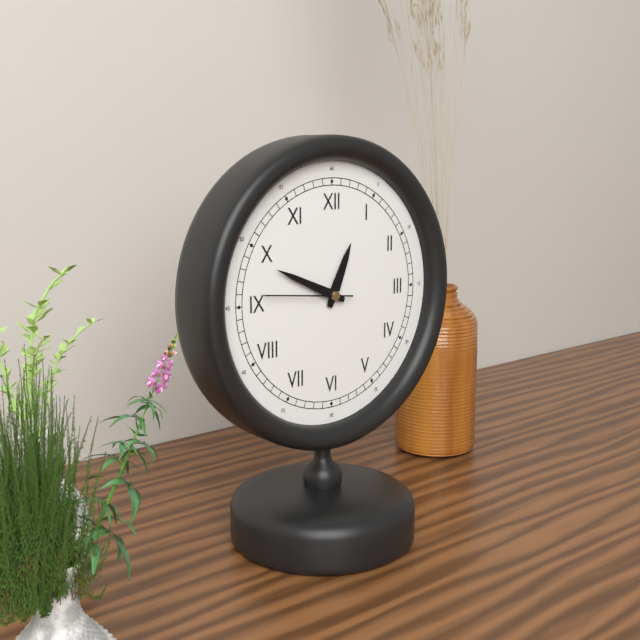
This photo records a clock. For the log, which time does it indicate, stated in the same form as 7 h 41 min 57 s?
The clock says 12 h 49 min 46 s
